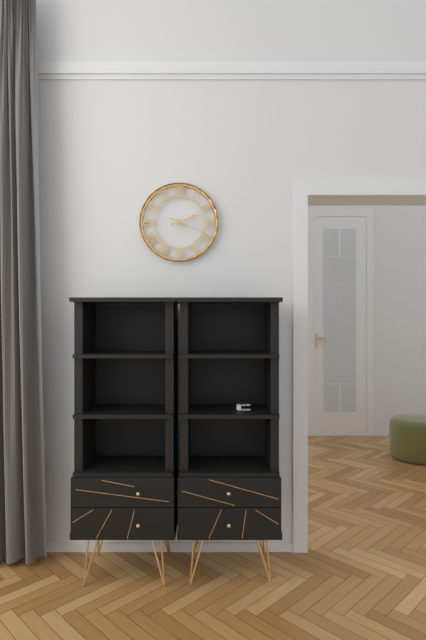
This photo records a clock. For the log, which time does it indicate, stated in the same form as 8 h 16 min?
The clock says 2 h 19 min
